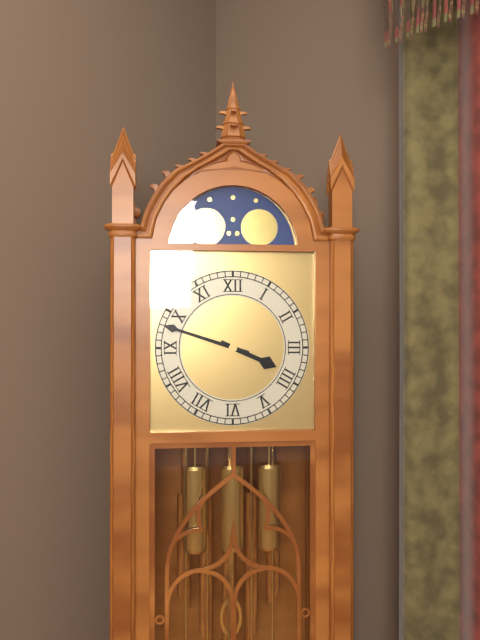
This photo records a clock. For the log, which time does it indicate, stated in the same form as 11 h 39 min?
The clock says 3 h 48 min
